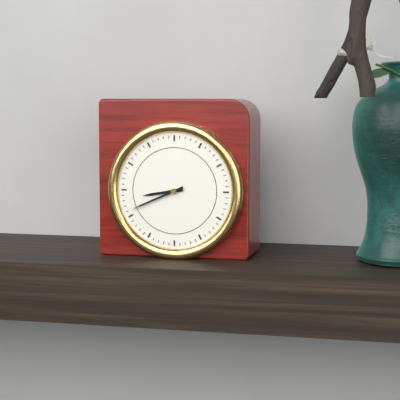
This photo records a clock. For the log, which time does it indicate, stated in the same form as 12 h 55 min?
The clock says 8 h 41 min
